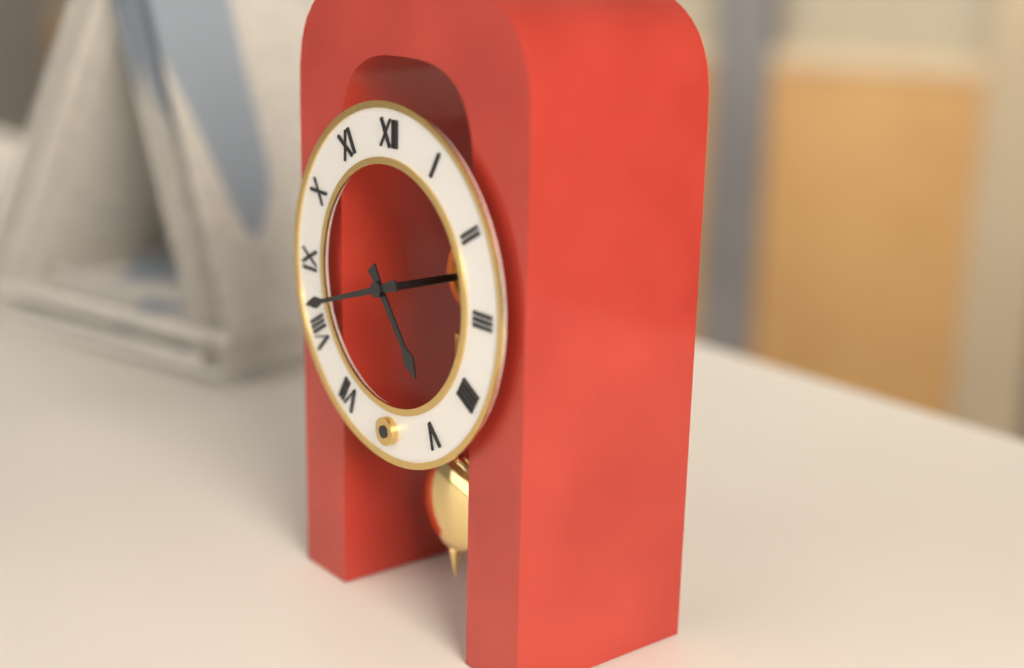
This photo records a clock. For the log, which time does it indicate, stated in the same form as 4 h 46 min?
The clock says 4 h 42 min
